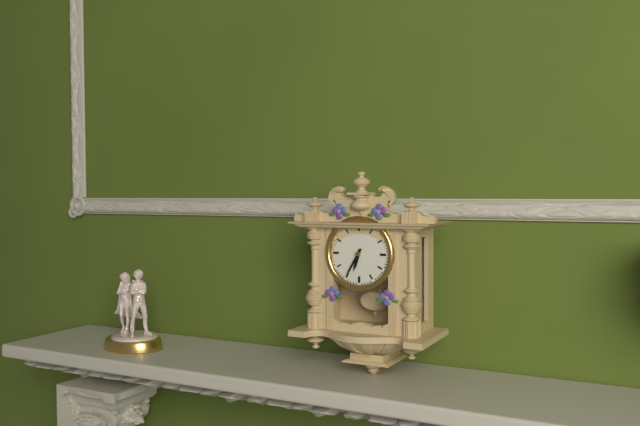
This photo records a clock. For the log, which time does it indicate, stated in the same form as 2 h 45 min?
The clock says 6 h 35 min
